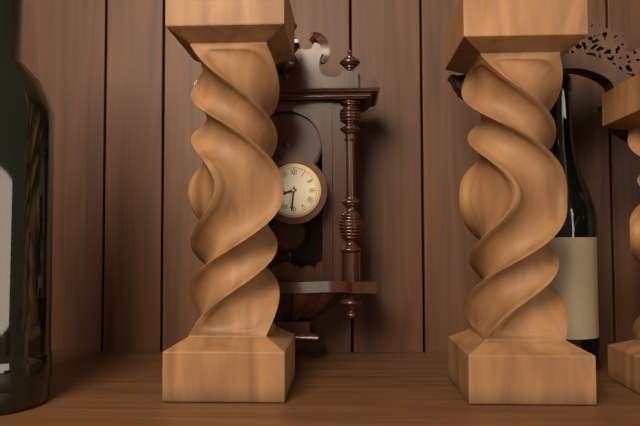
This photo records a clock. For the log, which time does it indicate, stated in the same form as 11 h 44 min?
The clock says 8 h 31 min
